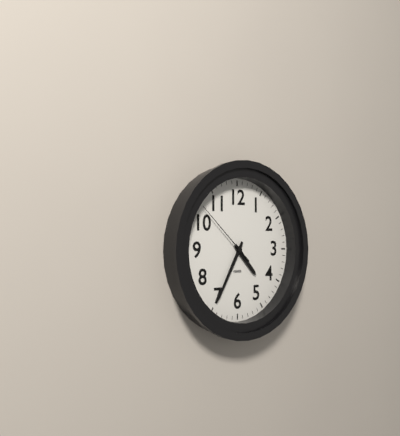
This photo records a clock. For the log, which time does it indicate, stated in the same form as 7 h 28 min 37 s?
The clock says 4 h 35 min 52 s
